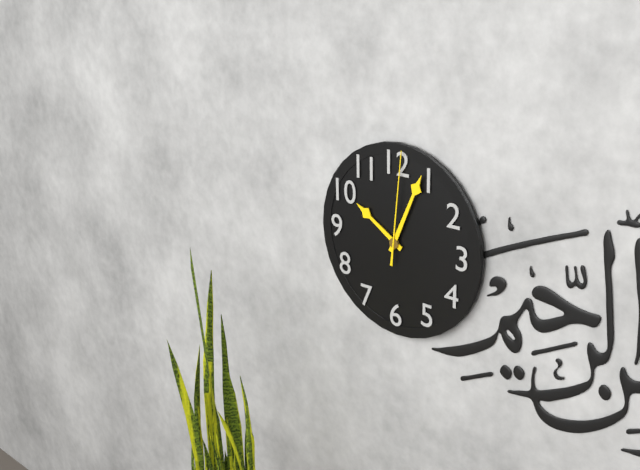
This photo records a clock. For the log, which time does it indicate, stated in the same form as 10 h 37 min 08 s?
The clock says 10 h 04 min 01 s
